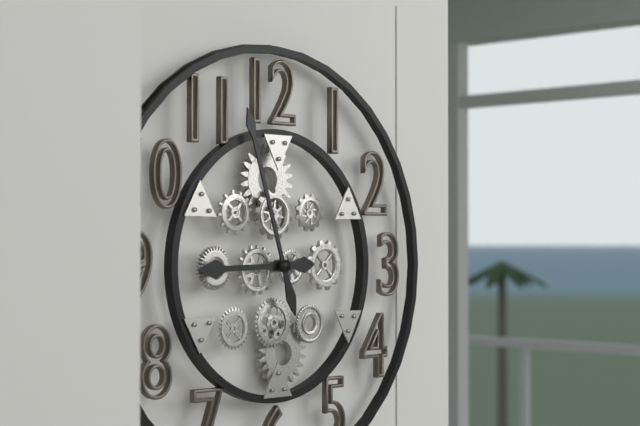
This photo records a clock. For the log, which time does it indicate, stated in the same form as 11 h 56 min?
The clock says 8 h 57 min
